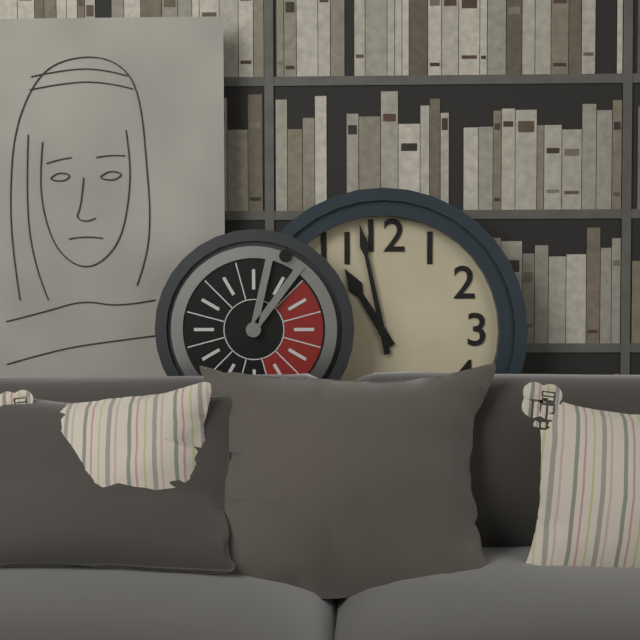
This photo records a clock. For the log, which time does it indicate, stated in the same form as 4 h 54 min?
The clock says 10 h 58 min
